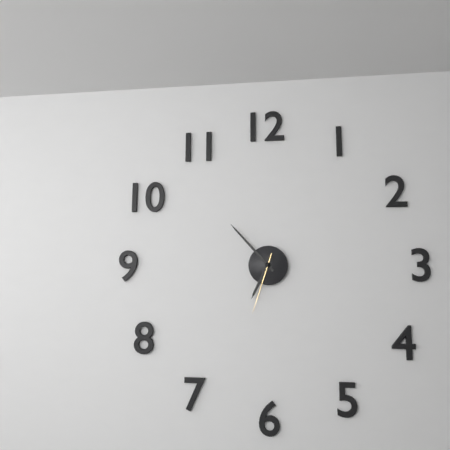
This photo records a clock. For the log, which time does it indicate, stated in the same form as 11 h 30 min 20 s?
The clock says 6 h 53 min 33 s
